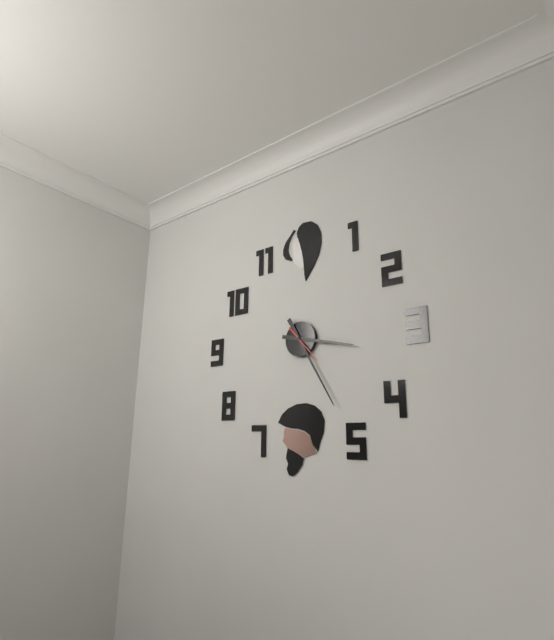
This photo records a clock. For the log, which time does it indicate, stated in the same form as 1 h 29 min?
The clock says 3 h 25 min
